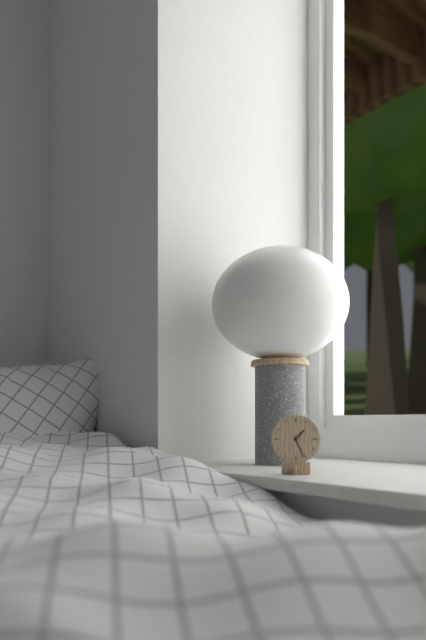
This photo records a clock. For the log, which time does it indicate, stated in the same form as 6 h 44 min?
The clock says 1 h 26 min
